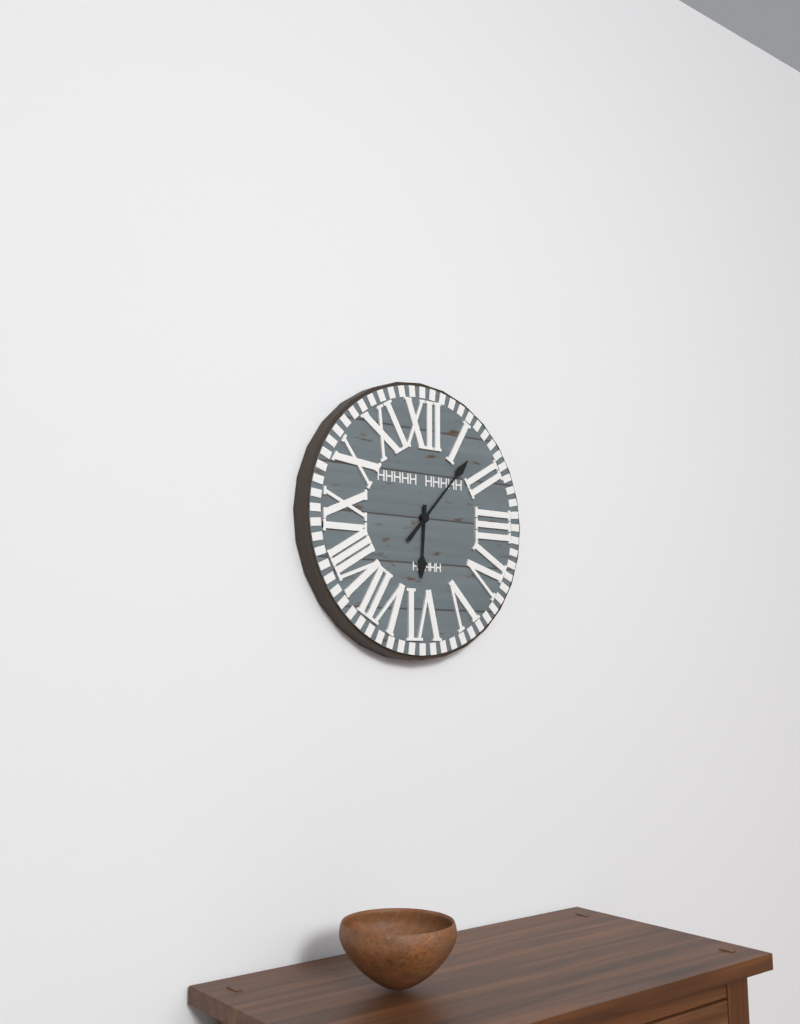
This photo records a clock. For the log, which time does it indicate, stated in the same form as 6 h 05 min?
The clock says 6 h 07 min
